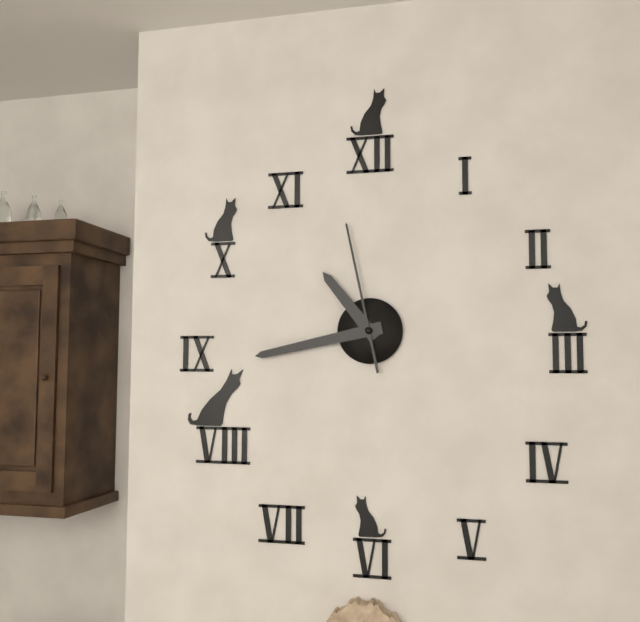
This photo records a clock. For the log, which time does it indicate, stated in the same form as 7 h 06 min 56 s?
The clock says 10 h 43 min 58 s
